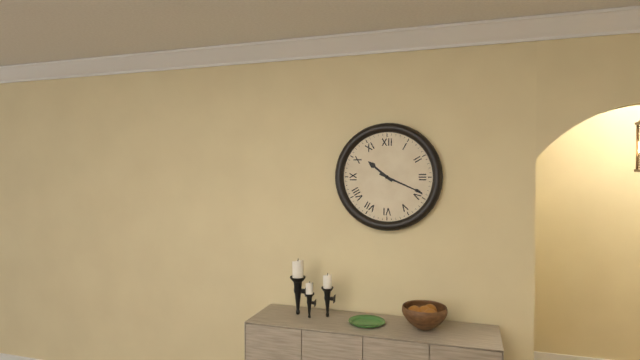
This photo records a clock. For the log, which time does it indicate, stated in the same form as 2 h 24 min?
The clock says 10 h 19 min
